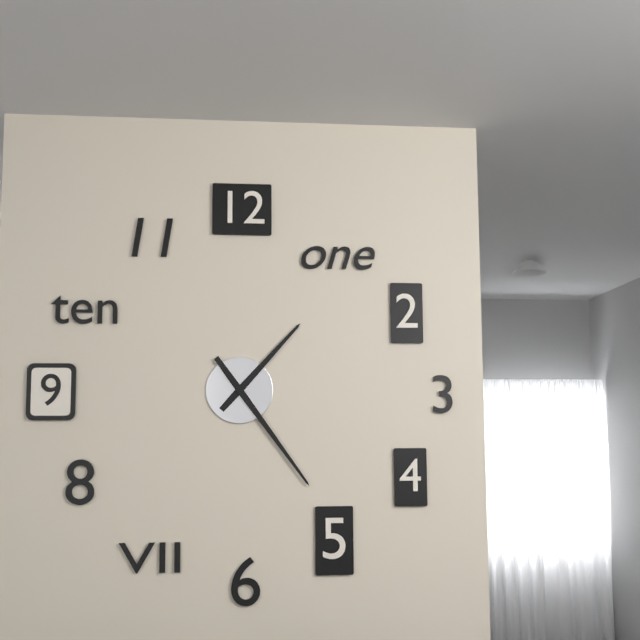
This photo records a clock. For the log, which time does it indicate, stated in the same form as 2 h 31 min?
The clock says 1 h 24 min
